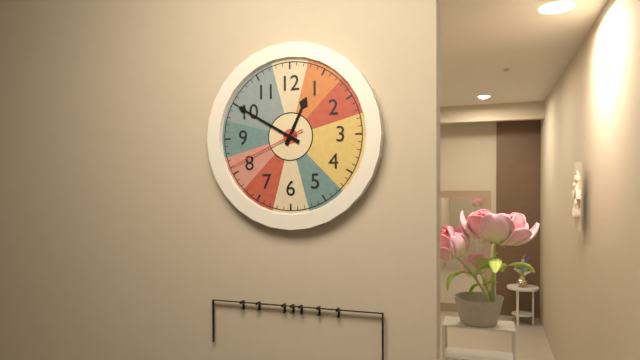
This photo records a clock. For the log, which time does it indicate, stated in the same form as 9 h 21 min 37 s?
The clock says 12 h 50 min 41 s
